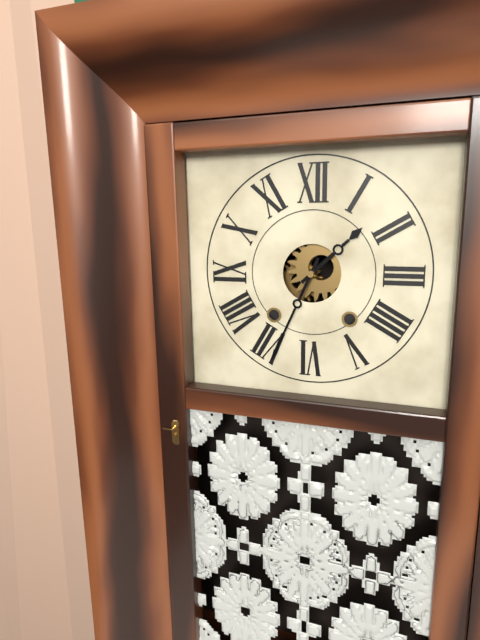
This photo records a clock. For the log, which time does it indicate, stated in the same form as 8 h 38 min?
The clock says 1 h 34 min
